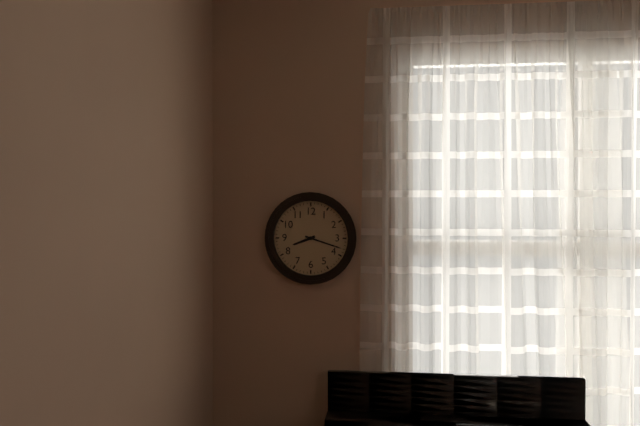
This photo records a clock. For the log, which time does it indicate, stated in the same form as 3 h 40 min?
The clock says 8 h 18 min
